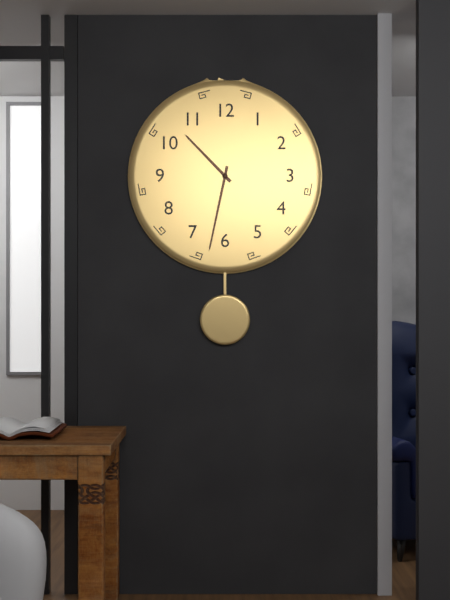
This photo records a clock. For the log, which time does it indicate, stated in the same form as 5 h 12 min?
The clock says 10 h 32 min
